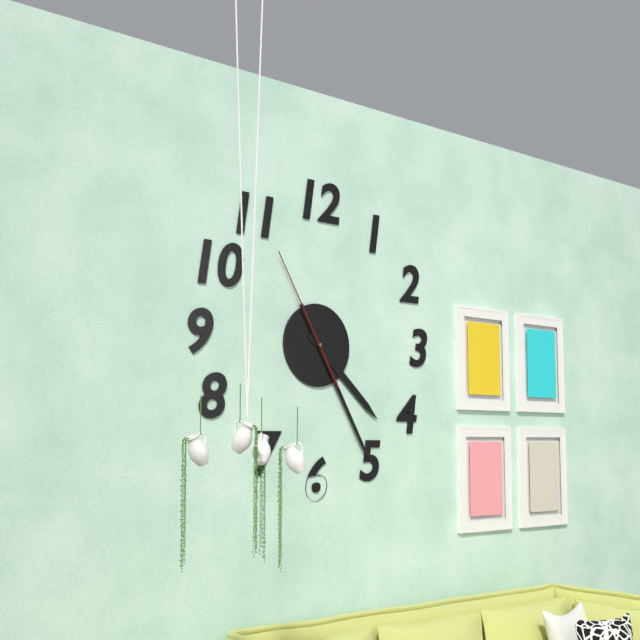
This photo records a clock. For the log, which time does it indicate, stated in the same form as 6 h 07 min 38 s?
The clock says 4 h 25 min 55 s
